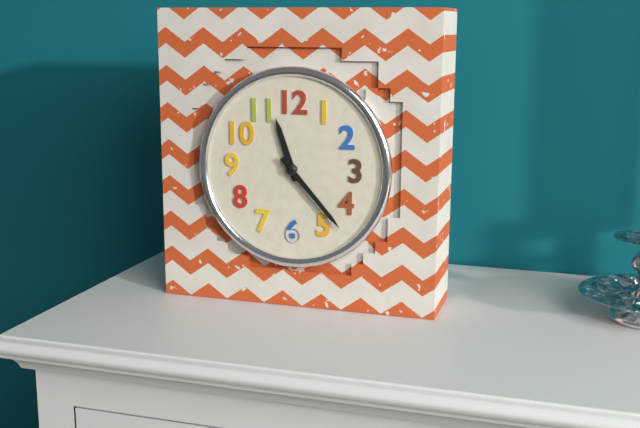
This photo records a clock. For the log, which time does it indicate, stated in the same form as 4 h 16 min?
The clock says 11 h 23 min
